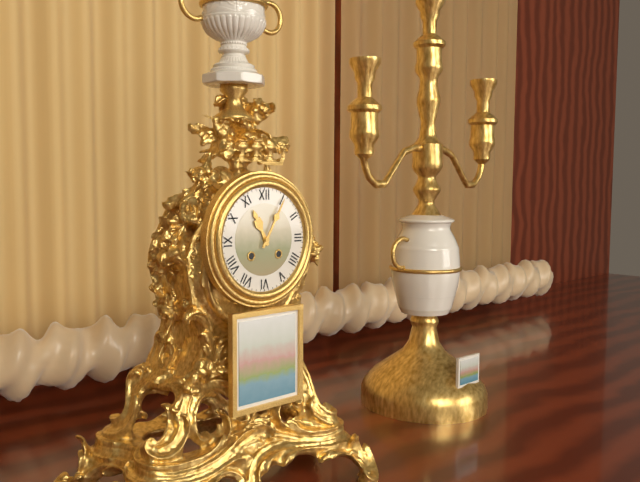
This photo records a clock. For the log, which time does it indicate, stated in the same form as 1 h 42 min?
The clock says 11 h 05 min
